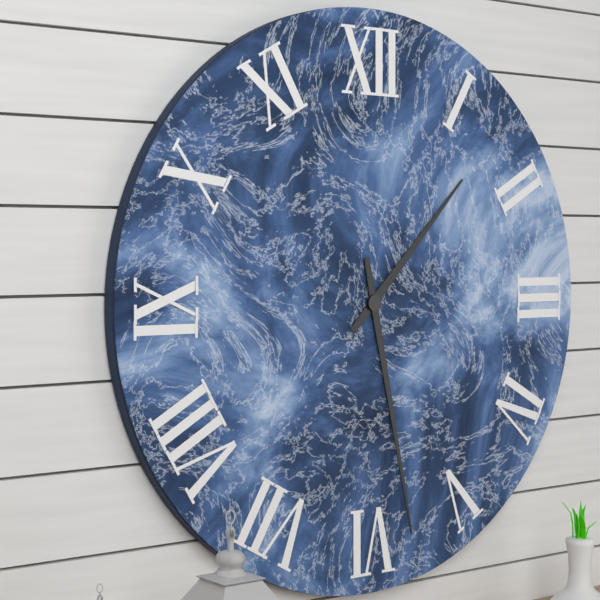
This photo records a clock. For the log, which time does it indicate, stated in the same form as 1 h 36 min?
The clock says 1 h 28 min
